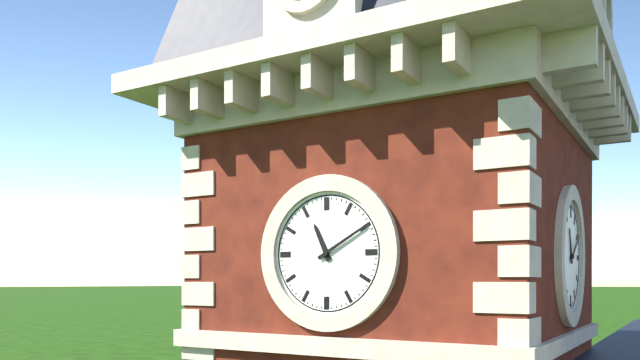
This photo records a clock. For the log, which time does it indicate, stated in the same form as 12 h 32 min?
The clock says 11 h 10 min
